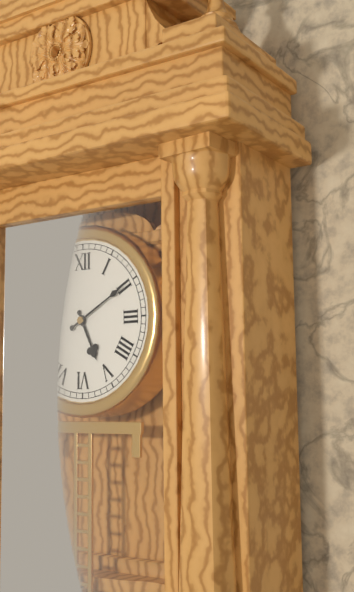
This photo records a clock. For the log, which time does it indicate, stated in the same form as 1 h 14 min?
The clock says 5 h 10 min
